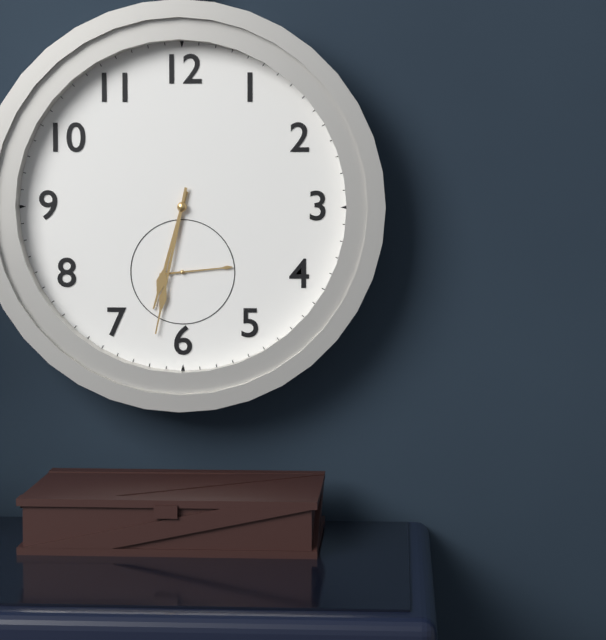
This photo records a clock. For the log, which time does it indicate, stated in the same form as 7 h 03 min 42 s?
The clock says 6 h 32 min 14 s
